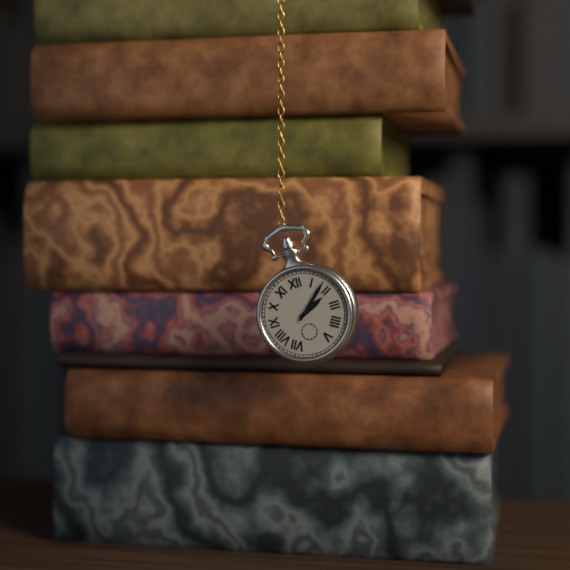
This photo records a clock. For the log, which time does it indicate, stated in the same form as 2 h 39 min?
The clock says 2 h 08 min
